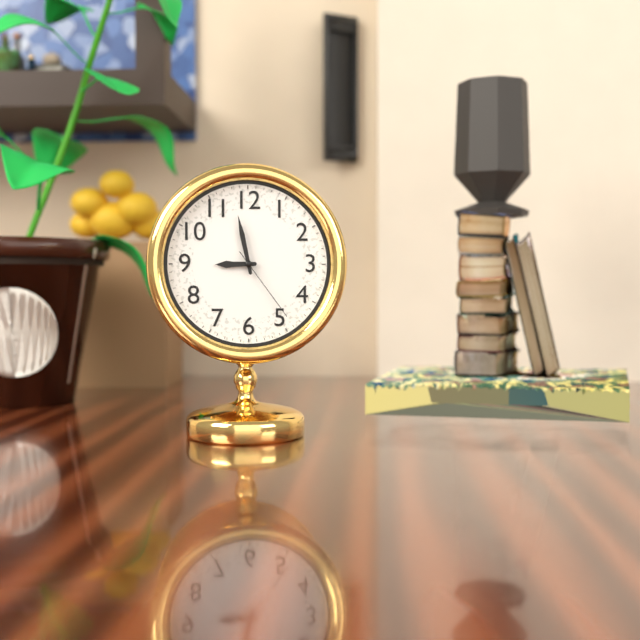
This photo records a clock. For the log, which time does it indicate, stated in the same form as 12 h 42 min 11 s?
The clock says 8 h 58 min 24 s
